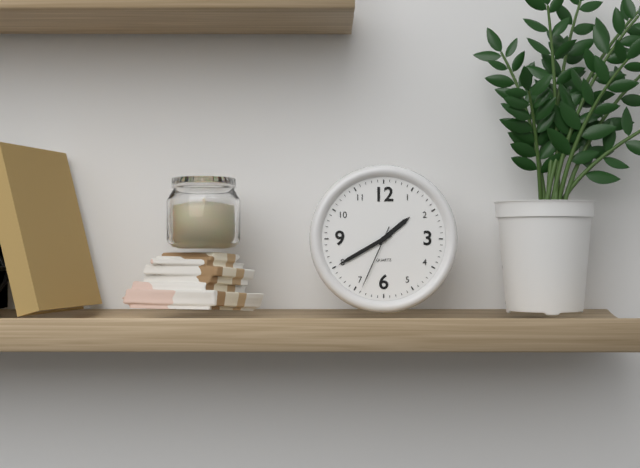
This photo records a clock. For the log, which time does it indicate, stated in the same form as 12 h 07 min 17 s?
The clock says 1 h 40 min 34 s
